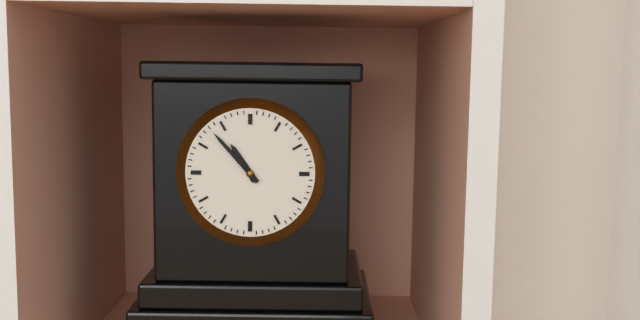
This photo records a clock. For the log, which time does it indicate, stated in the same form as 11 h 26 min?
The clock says 10 h 53 min
